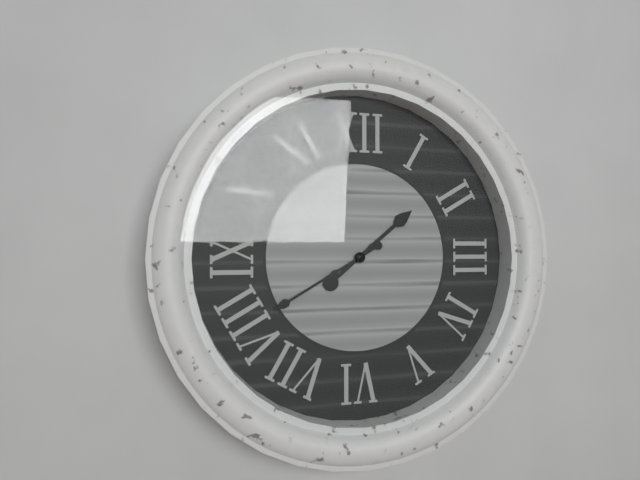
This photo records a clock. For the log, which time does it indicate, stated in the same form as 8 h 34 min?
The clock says 1 h 40 min
